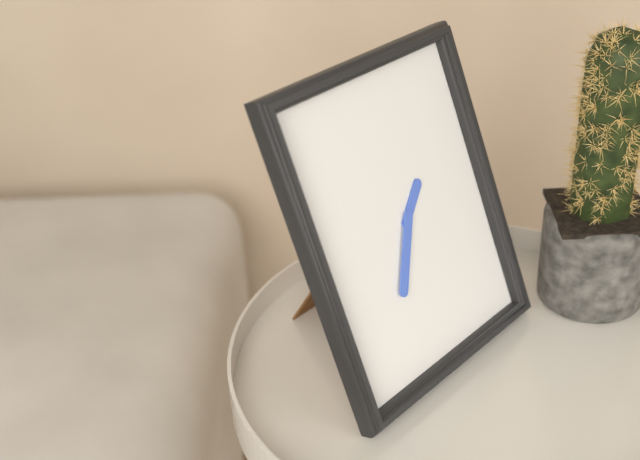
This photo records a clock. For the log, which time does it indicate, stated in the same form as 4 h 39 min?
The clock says 1 h 35 min
